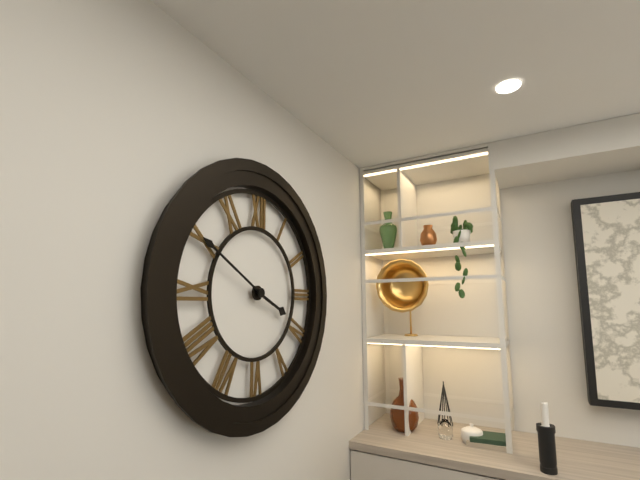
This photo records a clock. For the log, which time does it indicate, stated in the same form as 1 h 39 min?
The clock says 3 h 50 min
